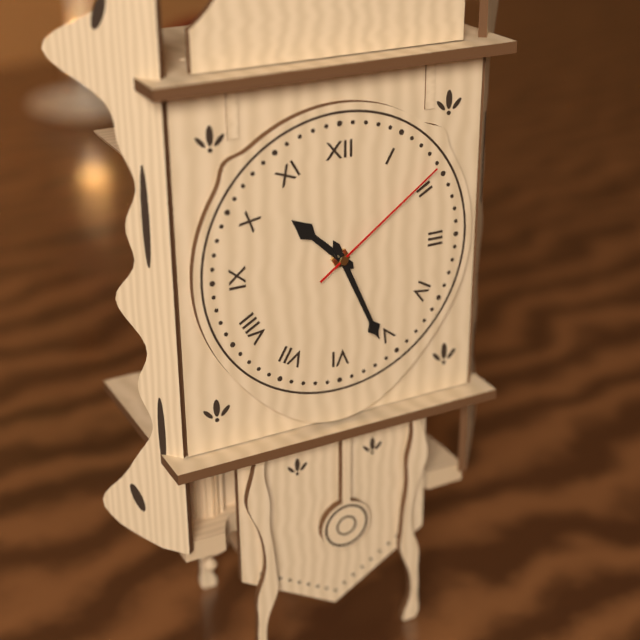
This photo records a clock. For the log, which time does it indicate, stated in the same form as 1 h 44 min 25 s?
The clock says 10 h 26 min 09 s
